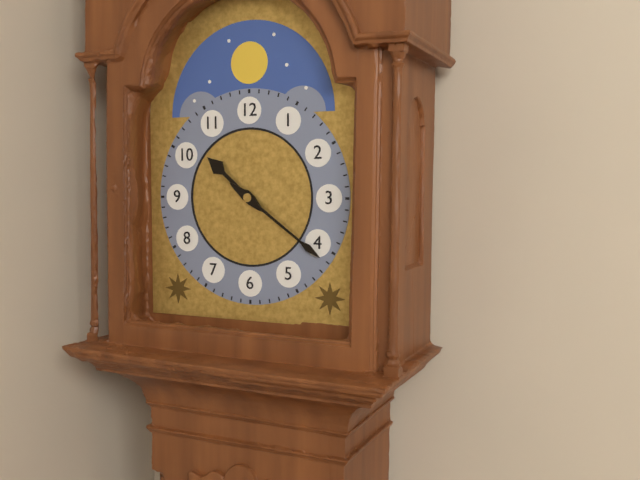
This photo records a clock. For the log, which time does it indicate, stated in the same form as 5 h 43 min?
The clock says 10 h 21 min
